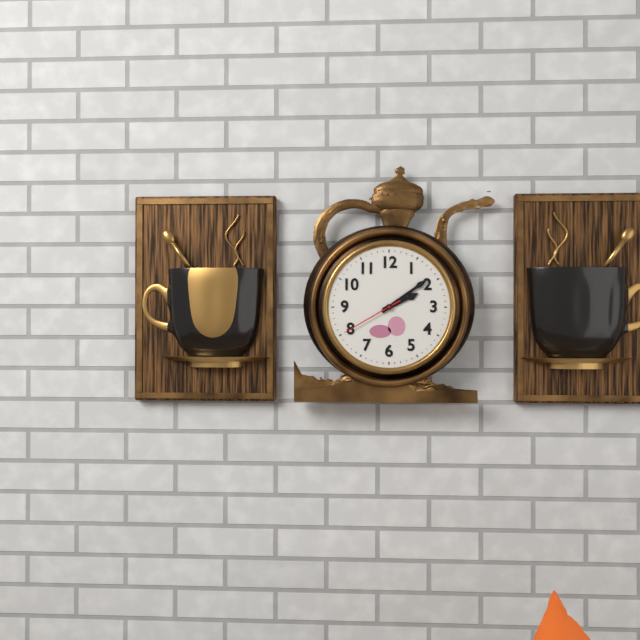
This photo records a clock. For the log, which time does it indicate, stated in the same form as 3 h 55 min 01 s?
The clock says 2 h 09 min 40 s
